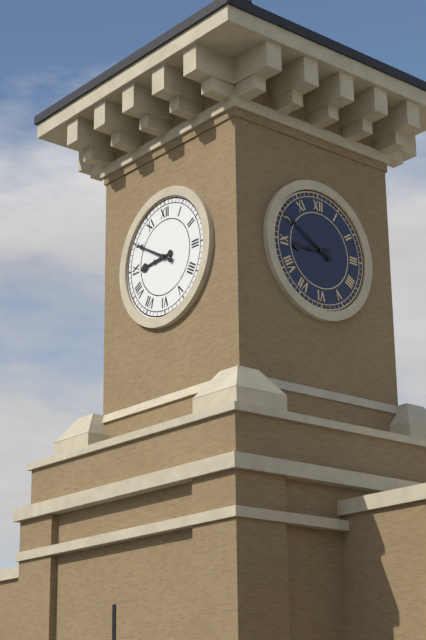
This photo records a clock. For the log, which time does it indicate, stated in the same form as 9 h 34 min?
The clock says 8 h 50 min
